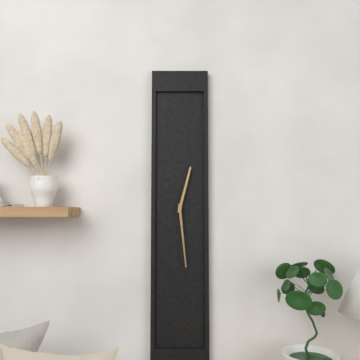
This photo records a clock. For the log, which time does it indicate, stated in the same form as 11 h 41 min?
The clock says 12 h 29 min
